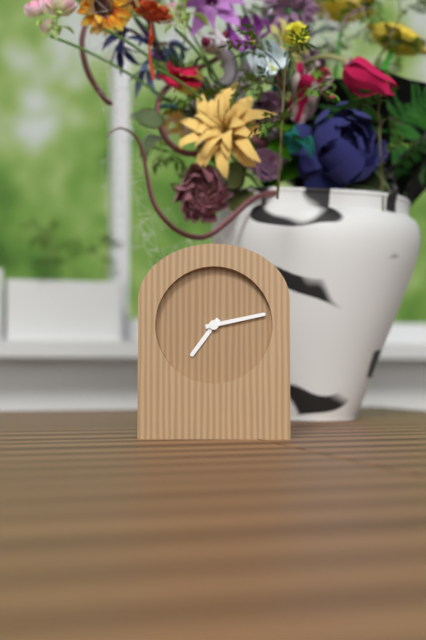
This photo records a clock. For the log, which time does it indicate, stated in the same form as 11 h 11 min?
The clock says 7 h 13 min
